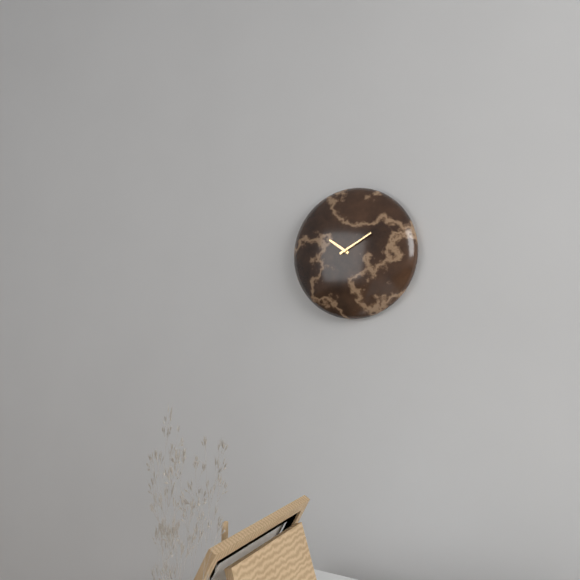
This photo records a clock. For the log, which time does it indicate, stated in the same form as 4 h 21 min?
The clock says 10 h 10 min
